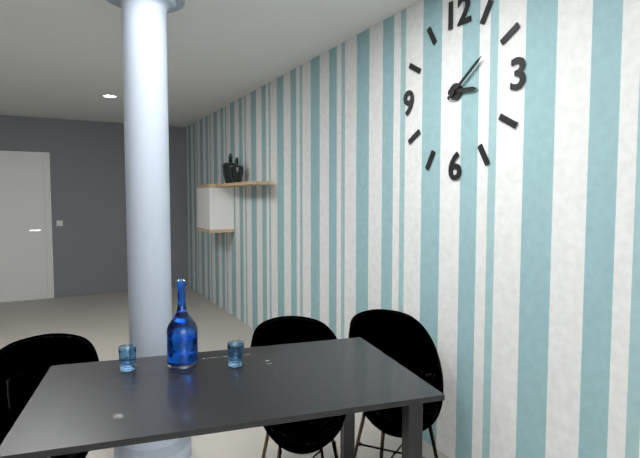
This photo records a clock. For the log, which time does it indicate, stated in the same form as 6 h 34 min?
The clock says 3 h 09 min
